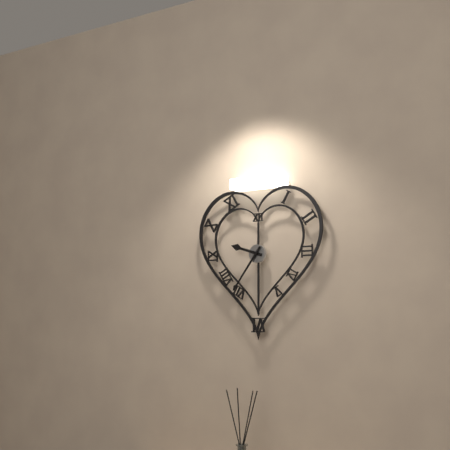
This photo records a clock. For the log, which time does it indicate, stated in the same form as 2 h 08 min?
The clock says 9 h 36 min
